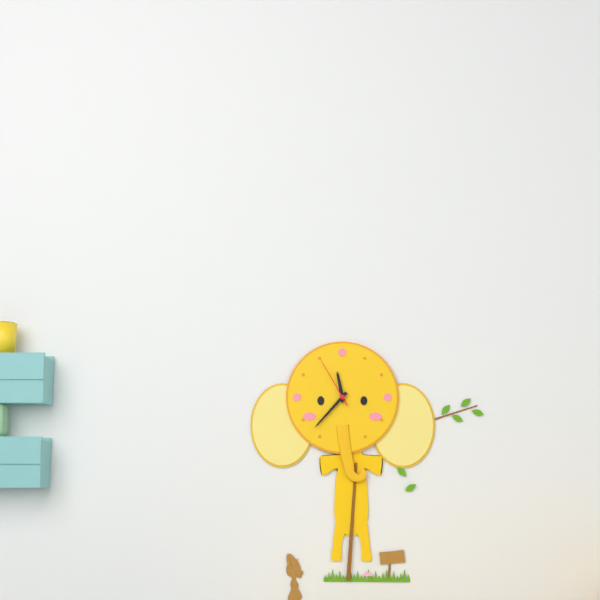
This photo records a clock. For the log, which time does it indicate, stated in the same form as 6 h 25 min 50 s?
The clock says 11 h 37 min 55 s
